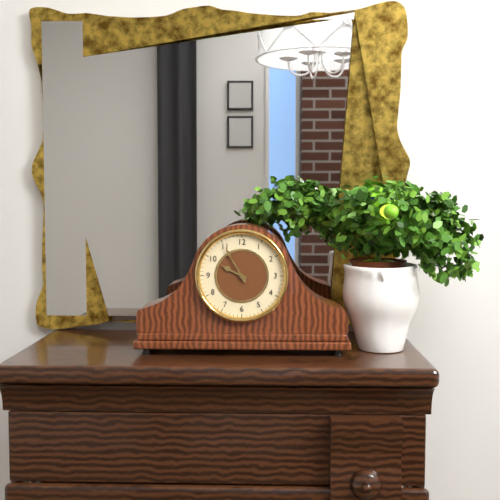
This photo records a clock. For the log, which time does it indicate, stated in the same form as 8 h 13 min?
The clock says 9 h 55 min
